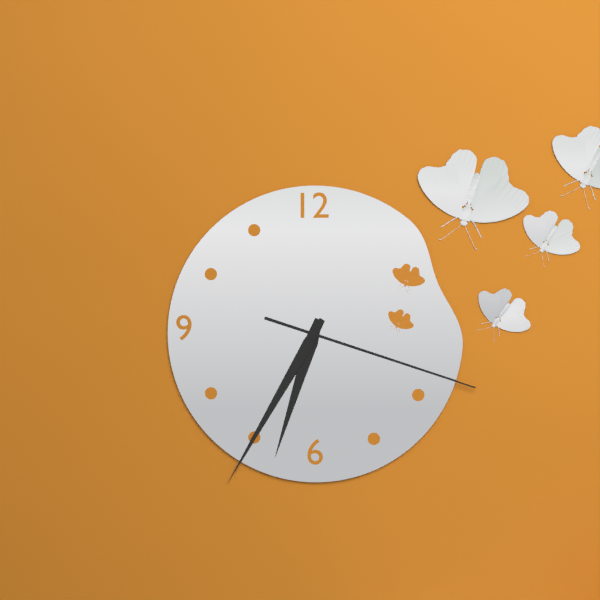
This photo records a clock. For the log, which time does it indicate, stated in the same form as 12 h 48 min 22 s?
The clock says 6 h 35 min 18 s
